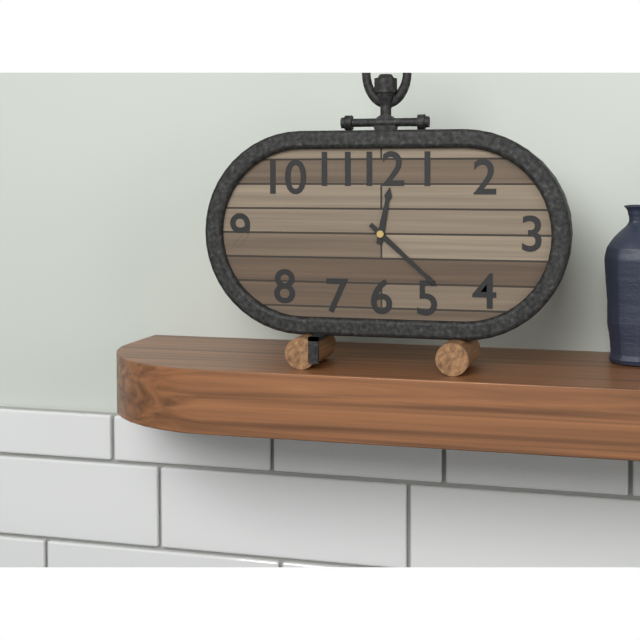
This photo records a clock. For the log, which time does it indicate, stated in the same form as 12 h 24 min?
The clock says 12 h 22 min
